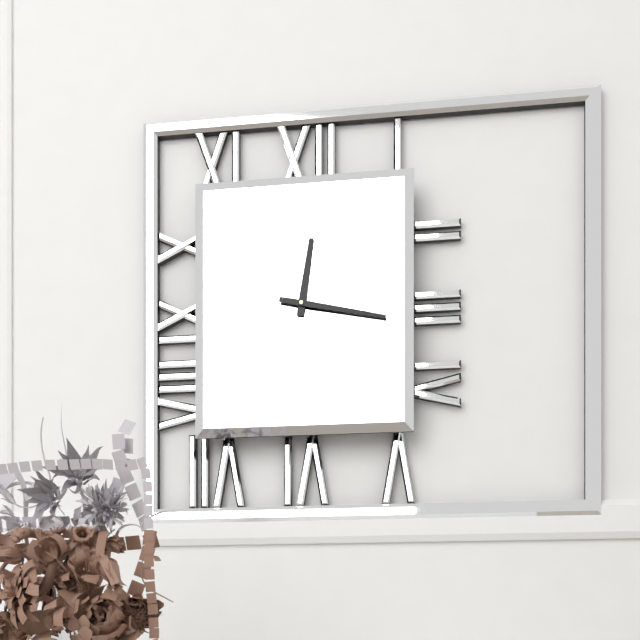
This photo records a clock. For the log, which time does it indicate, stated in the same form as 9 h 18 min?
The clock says 12 h 17 min
